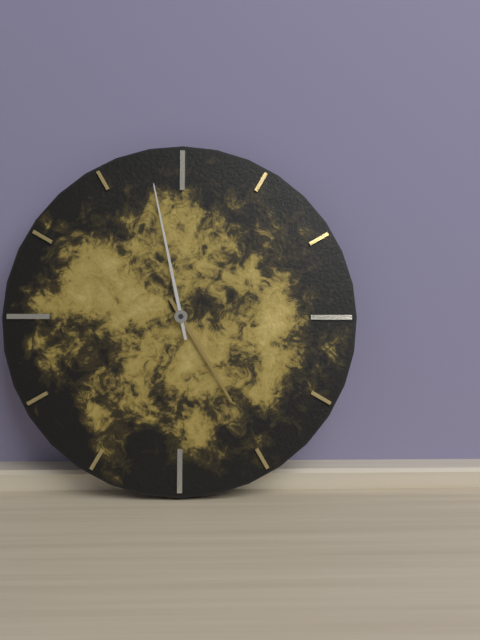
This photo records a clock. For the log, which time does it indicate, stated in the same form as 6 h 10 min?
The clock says 4 h 58 min
